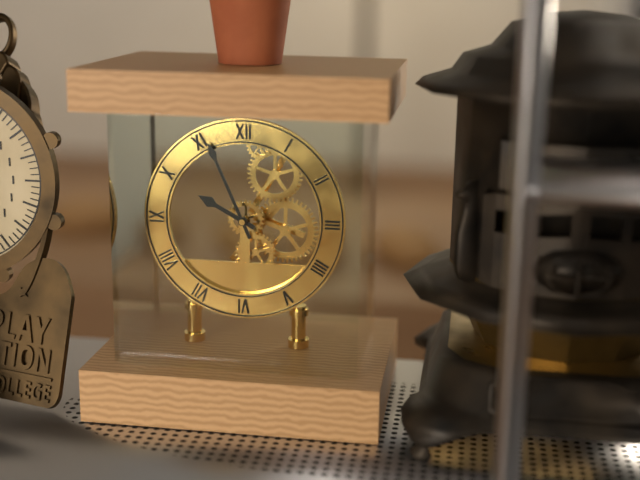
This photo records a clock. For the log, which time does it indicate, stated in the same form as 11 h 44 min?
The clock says 9 h 56 min
